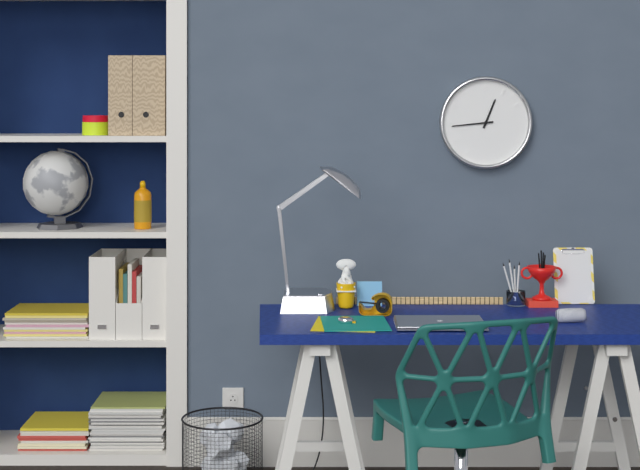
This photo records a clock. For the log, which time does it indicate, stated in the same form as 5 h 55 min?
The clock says 12 h 44 min
